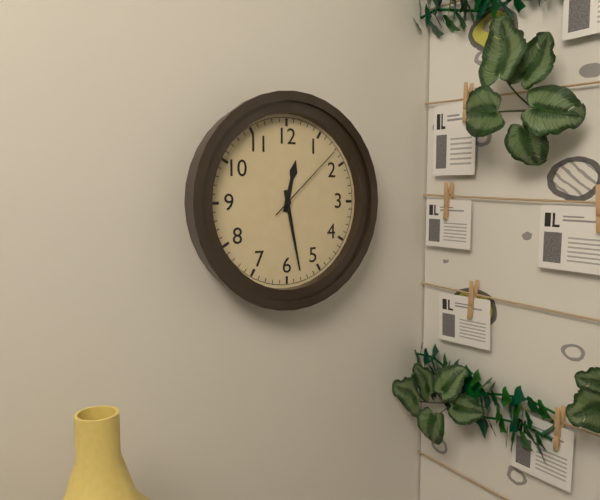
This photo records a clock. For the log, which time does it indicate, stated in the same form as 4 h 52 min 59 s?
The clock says 12 h 28 min 08 s
